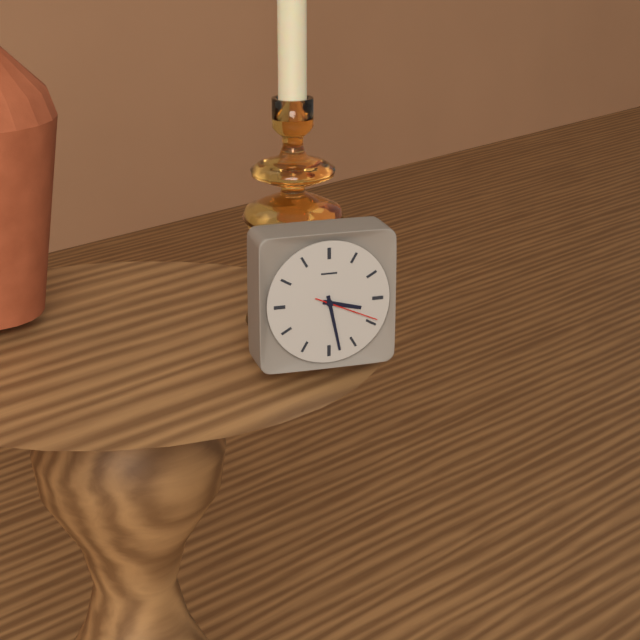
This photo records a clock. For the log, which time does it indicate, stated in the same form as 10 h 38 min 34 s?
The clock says 3 h 28 min 19 s
